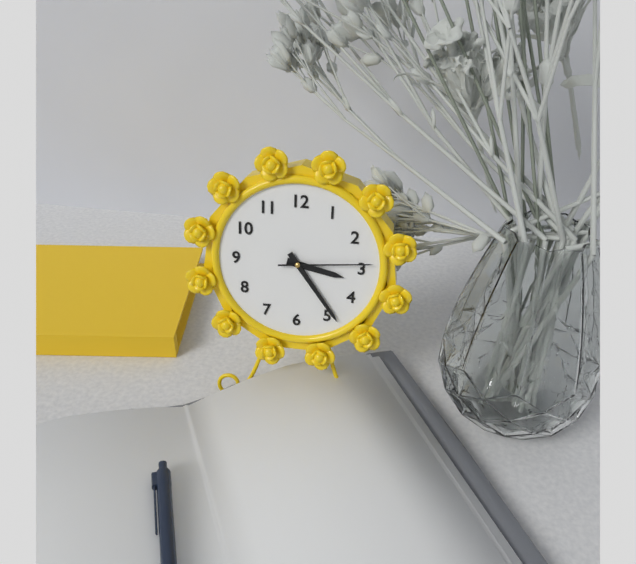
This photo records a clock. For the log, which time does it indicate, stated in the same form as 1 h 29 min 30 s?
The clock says 3 h 24 min 14 s
